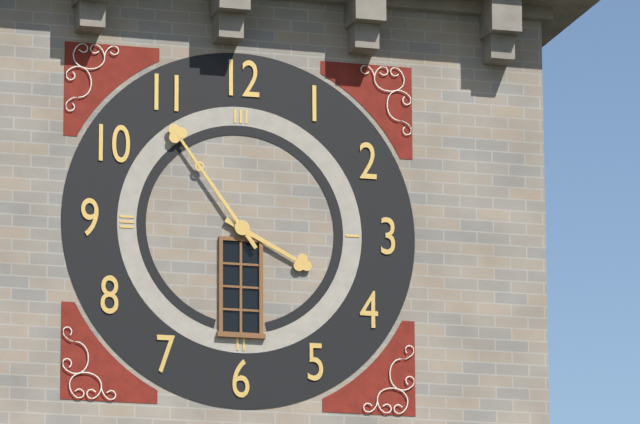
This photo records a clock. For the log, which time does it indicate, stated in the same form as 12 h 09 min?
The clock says 3 h 54 min
